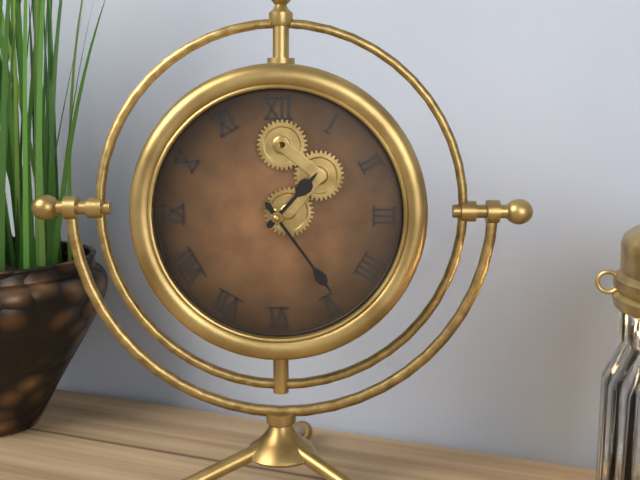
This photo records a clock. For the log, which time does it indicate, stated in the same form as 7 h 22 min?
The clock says 1 h 24 min
